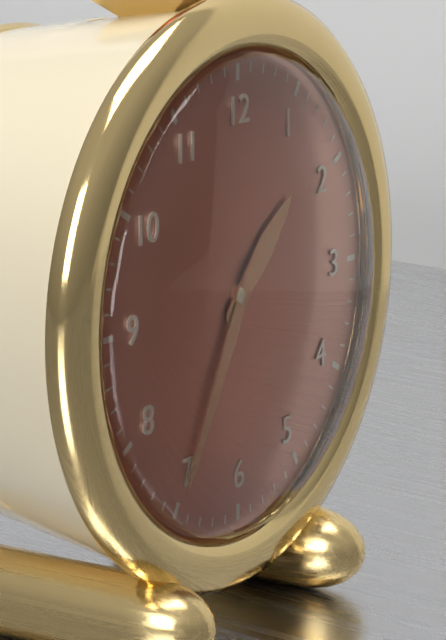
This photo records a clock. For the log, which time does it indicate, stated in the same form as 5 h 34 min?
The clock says 1 h 35 min
